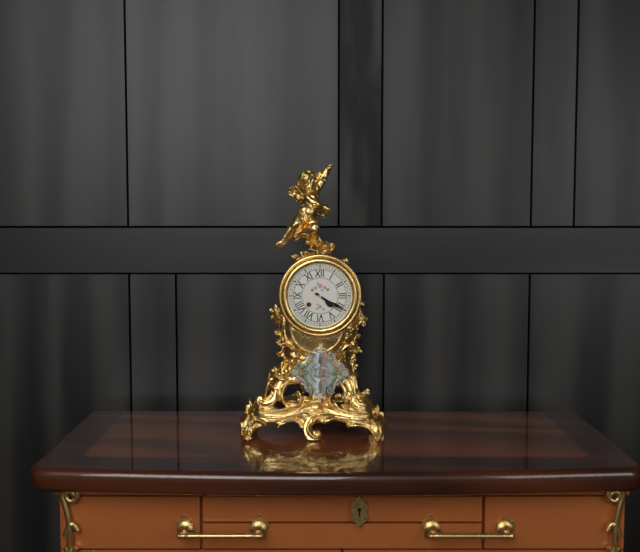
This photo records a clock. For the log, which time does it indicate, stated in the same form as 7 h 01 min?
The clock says 4 h 20 min
